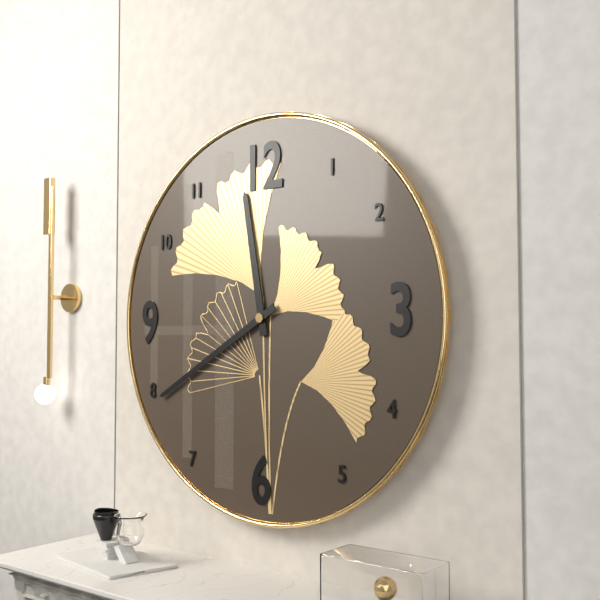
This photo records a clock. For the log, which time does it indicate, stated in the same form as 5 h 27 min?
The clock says 11 h 40 min
